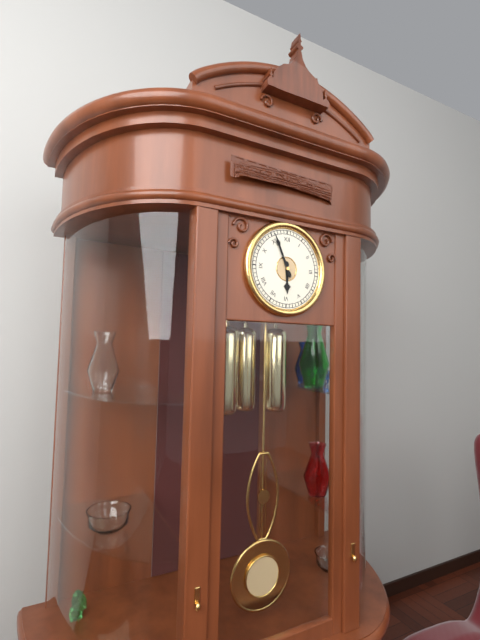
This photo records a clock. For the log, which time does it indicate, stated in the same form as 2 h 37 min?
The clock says 5 h 56 min
